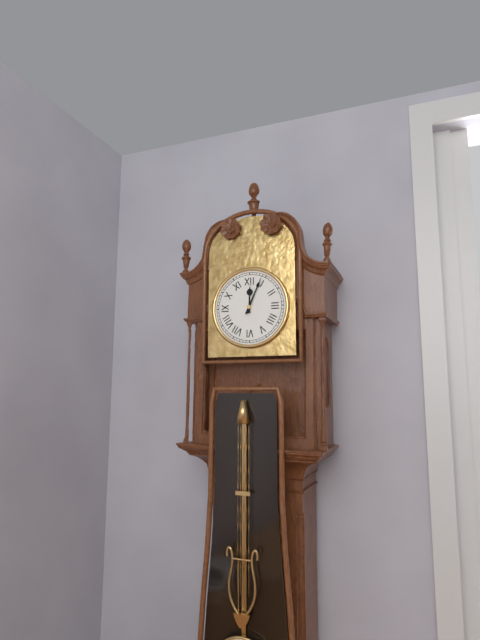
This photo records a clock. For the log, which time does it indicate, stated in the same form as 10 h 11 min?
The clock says 12 h 04 min
